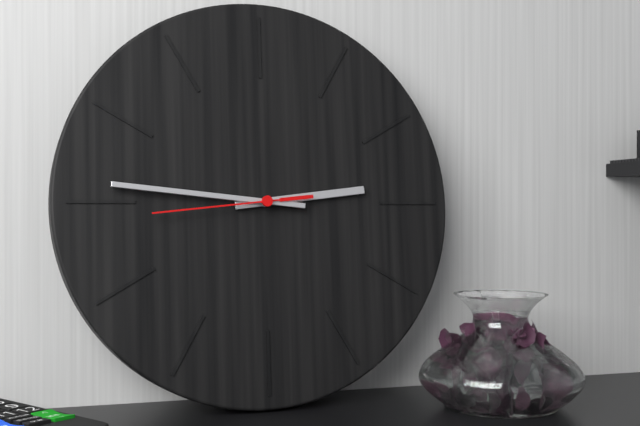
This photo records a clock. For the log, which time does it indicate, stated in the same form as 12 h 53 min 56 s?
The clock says 2 h 46 min 44 s
